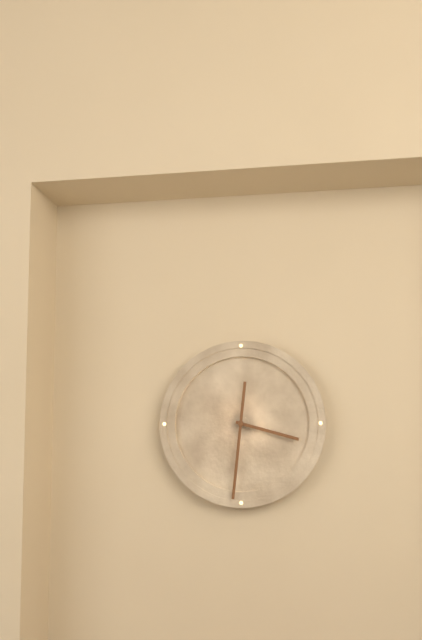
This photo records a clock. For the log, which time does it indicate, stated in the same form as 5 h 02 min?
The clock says 3 h 31 min
